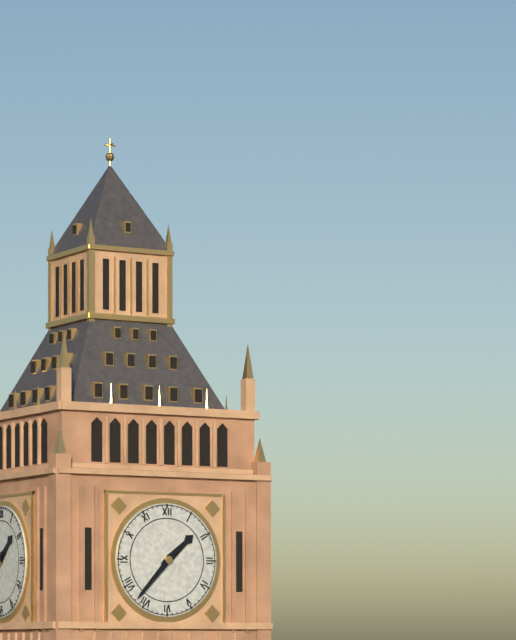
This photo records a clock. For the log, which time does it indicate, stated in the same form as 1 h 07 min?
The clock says 1 h 37 min
